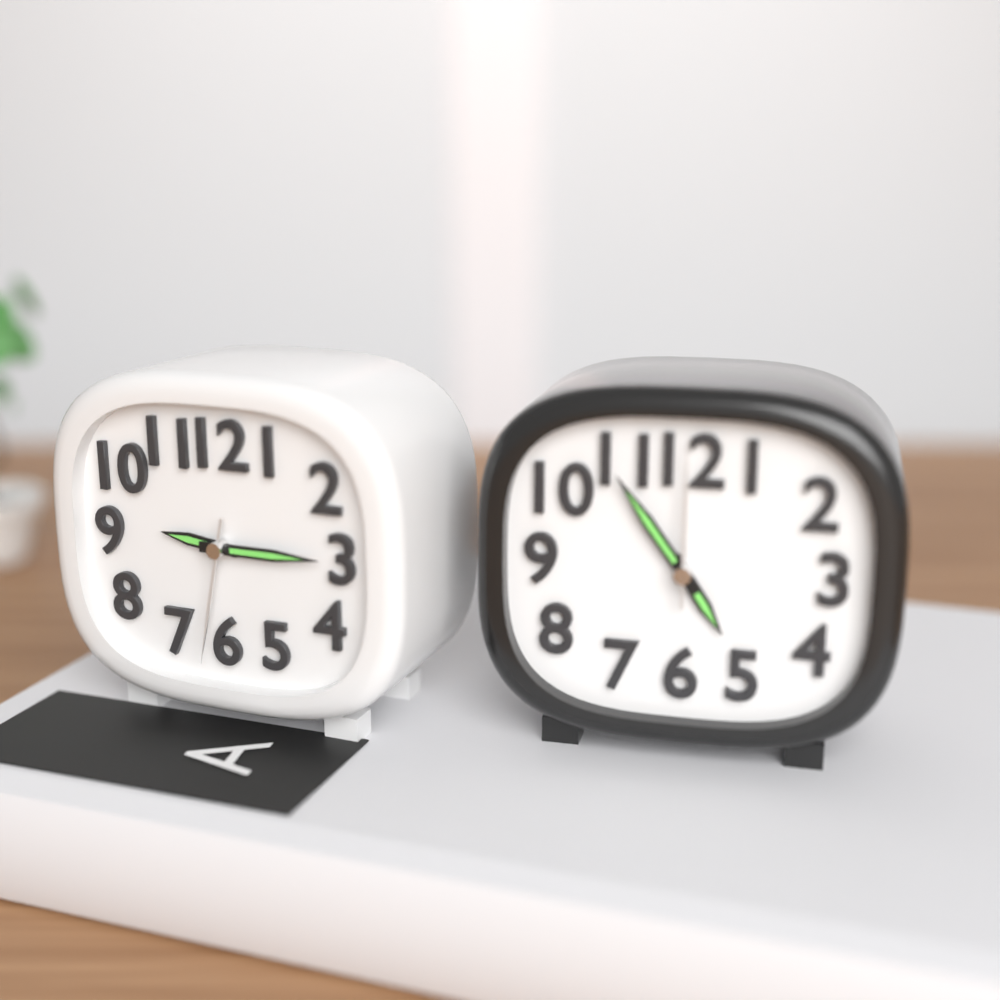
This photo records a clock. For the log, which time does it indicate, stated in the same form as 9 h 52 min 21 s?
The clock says 9 h 15 min 32 s
